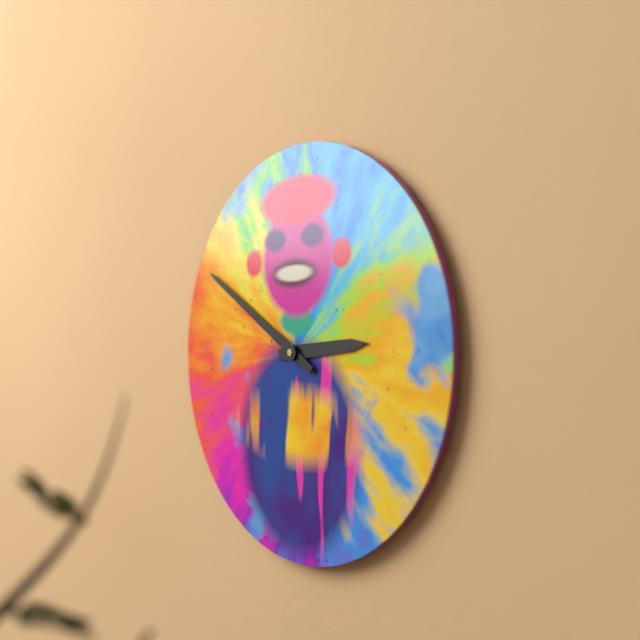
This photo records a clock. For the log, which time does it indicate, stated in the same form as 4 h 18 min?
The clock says 2 h 50 min
